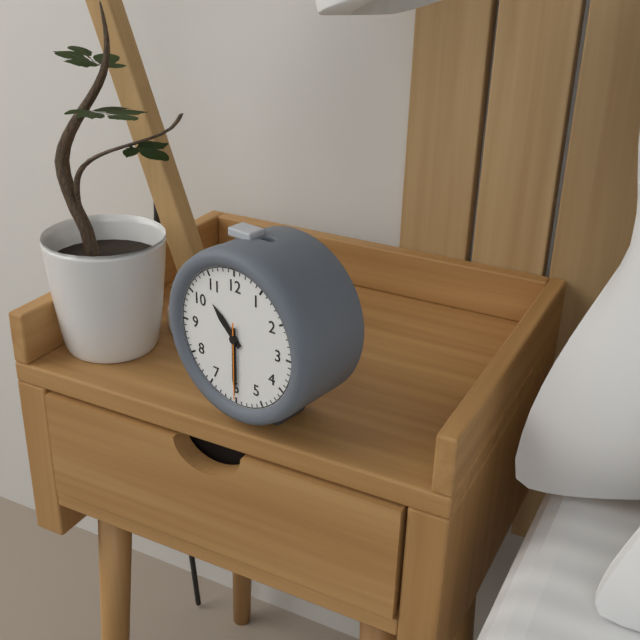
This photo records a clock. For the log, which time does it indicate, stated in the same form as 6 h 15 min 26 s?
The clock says 10 h 30 min 30 s
